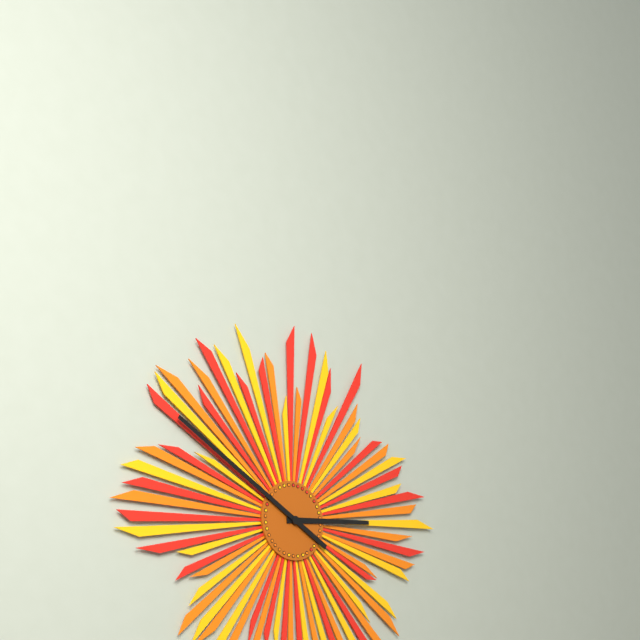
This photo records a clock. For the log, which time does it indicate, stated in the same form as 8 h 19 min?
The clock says 2 h 50 min
